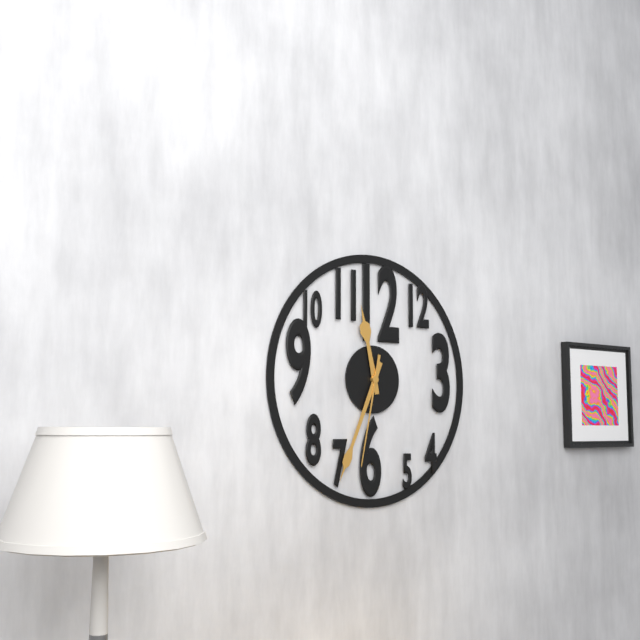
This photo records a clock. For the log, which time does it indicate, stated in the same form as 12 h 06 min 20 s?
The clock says 11 h 34 min 32 s
